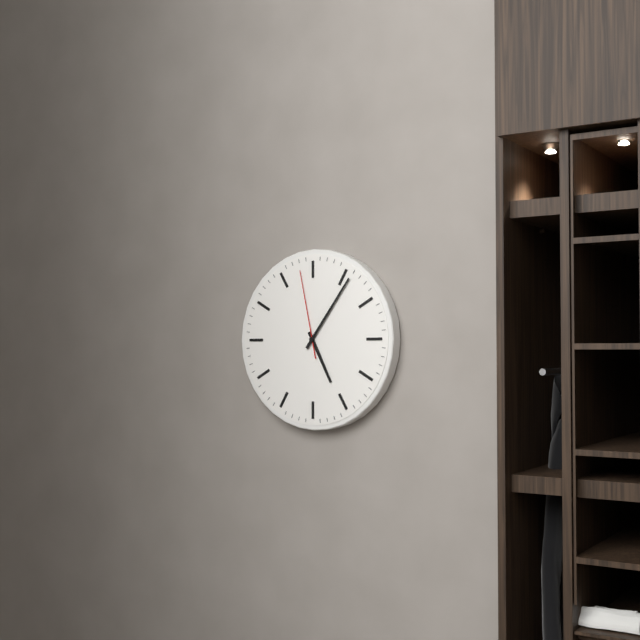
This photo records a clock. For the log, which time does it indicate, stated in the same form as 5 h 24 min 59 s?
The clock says 5 h 06 min 58 s
